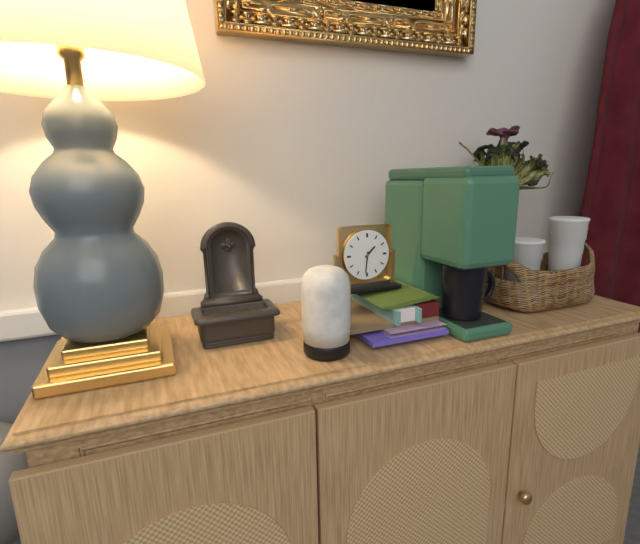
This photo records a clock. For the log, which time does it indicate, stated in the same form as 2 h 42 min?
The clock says 1 h 31 min
